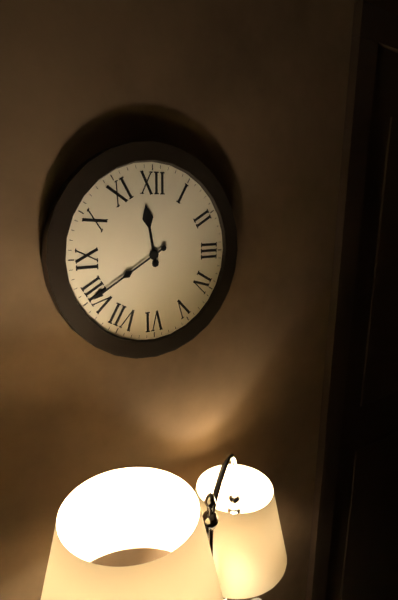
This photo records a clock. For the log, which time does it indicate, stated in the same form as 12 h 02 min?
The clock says 11 h 40 min
